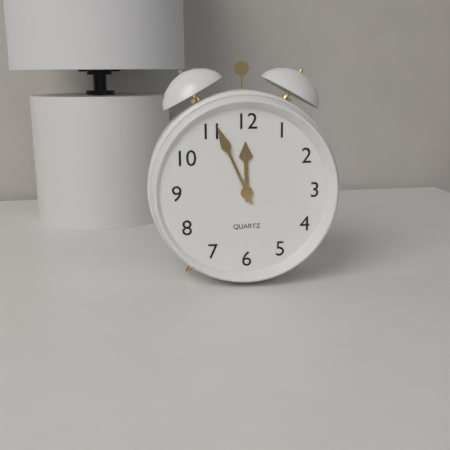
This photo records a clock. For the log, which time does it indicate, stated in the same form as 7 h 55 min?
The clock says 11 h 56 min
